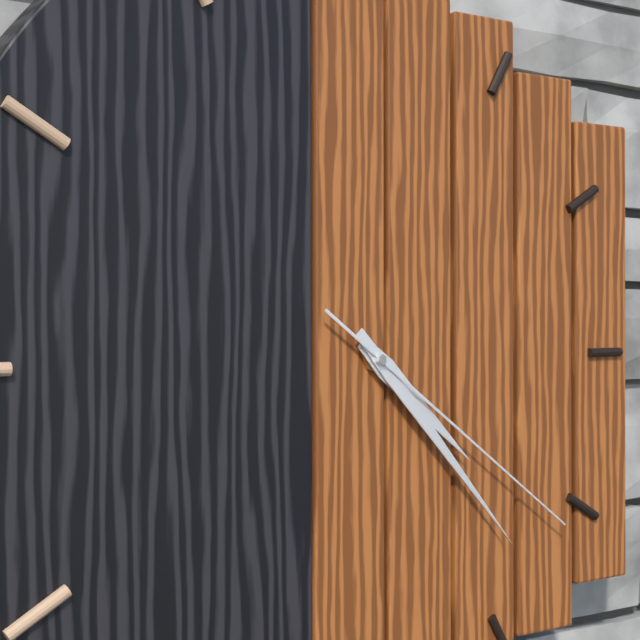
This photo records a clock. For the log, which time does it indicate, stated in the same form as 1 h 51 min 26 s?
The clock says 4 h 23 min 21 s
